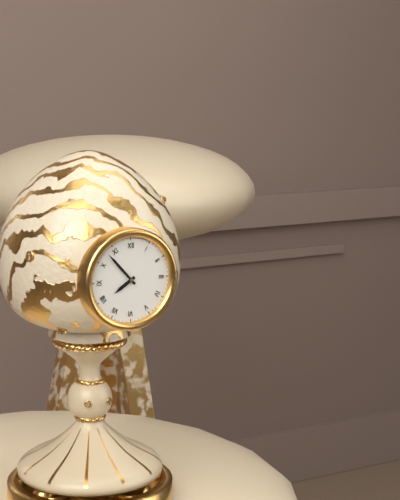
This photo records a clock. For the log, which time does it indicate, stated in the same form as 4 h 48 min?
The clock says 7 h 53 min
